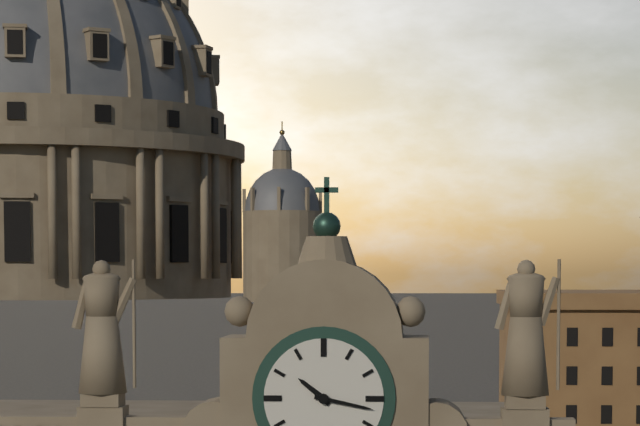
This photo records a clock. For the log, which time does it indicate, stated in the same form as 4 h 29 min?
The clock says 10 h 17 min
